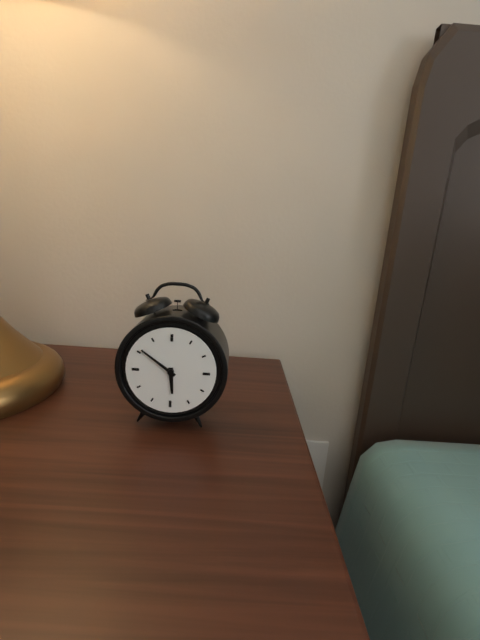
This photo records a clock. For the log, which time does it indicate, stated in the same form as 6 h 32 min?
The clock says 5 h 51 min
